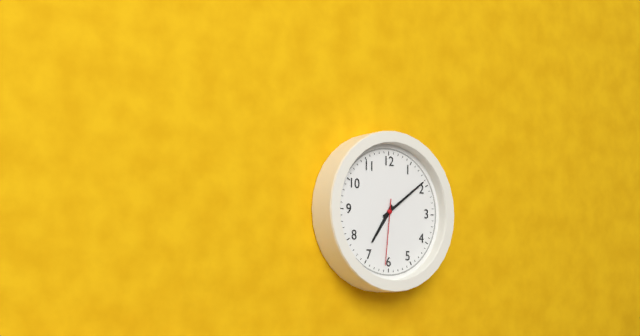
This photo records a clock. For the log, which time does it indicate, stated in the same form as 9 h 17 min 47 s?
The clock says 7 h 09 min 31 s
